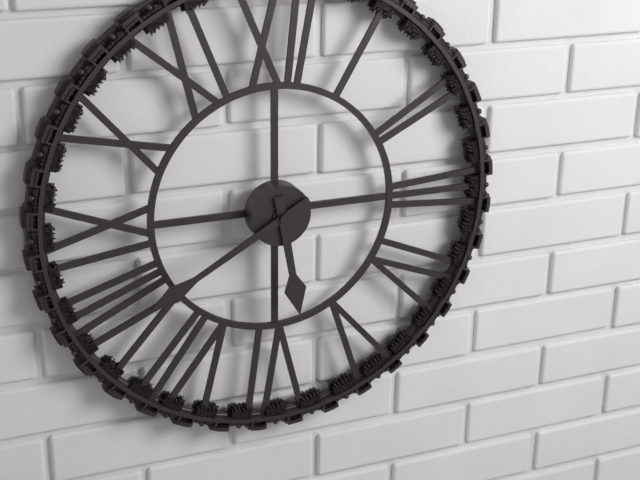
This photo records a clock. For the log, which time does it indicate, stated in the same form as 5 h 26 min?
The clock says 5 h 40 min
